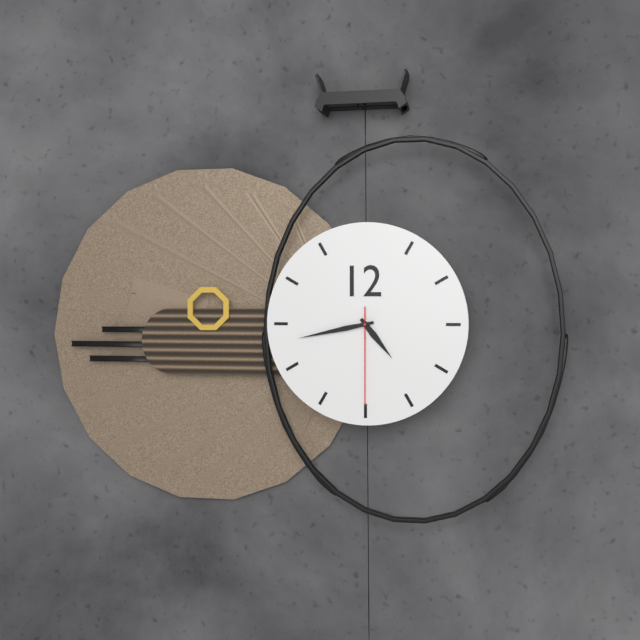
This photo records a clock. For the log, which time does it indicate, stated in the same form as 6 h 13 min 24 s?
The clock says 4 h 43 min 30 s
